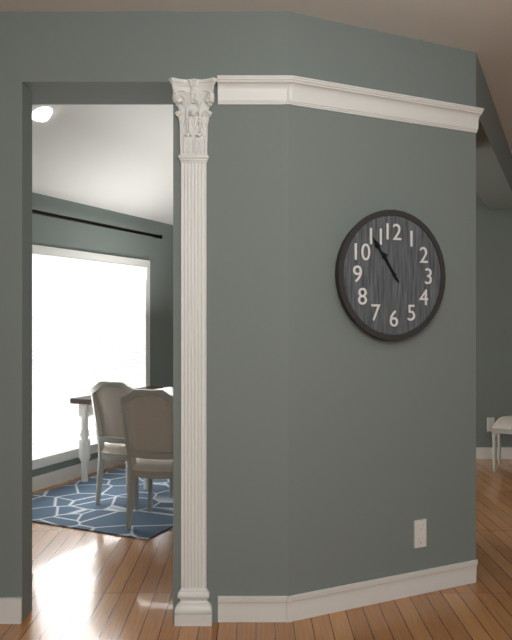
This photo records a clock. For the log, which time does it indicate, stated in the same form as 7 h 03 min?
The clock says 10 h 54 min
